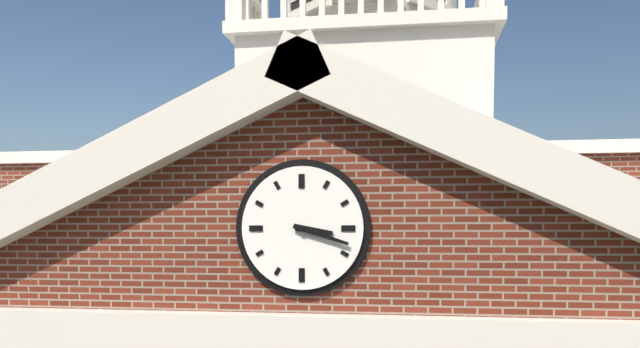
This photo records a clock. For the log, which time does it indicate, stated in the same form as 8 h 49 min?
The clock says 3 h 18 min
